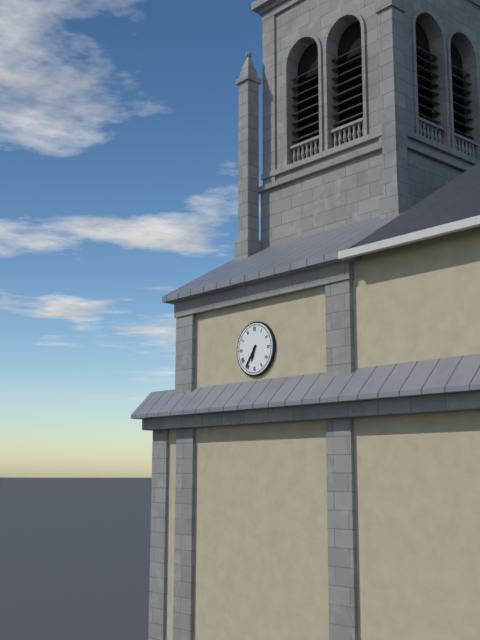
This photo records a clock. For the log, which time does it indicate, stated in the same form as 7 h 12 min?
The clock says 6 h 36 min
